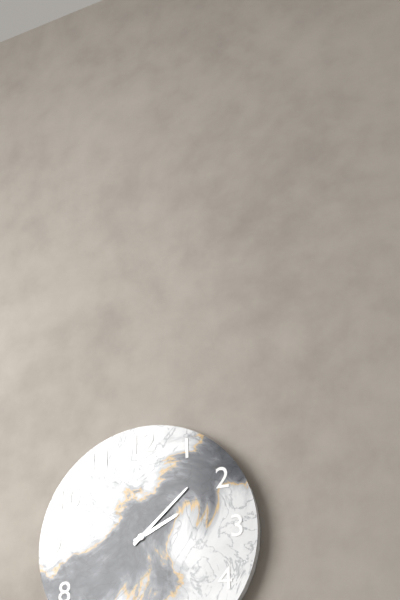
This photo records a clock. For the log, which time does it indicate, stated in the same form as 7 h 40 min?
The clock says 2 h 08 min
